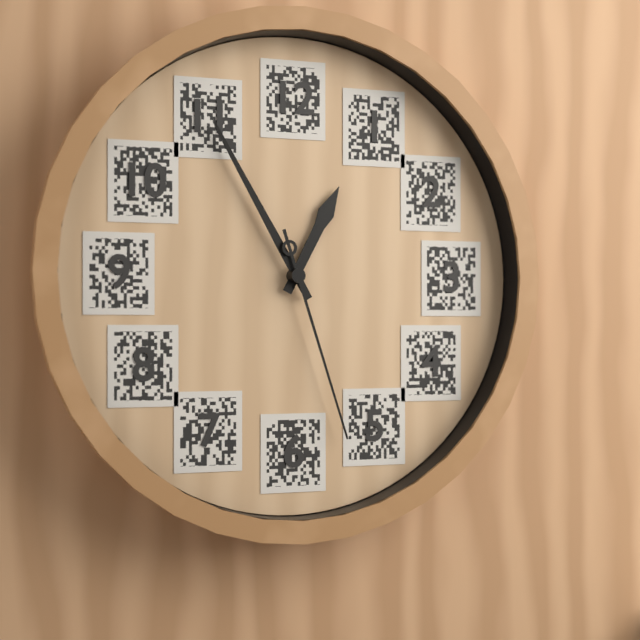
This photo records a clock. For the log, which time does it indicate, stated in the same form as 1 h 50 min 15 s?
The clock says 12 h 55 min 27 s
